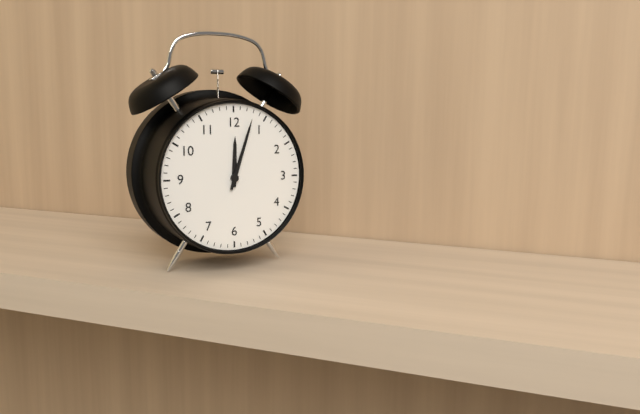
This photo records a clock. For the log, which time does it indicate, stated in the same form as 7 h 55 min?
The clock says 12 h 03 min
